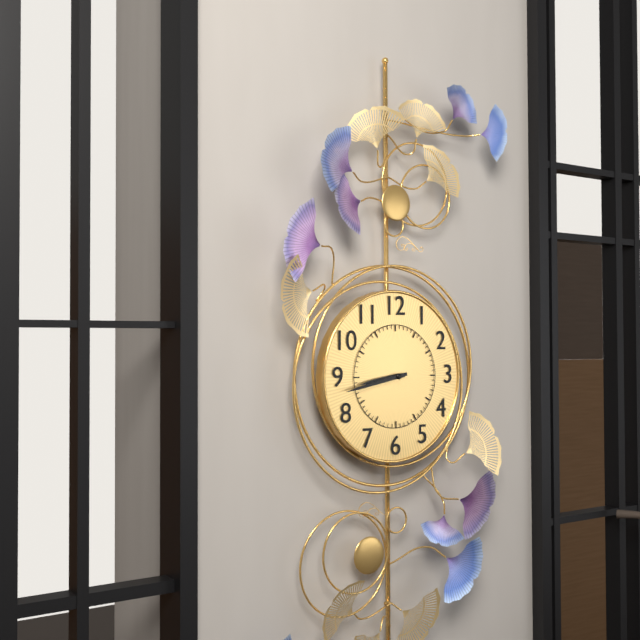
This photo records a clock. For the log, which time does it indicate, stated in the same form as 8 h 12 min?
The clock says 8 h 43 min
